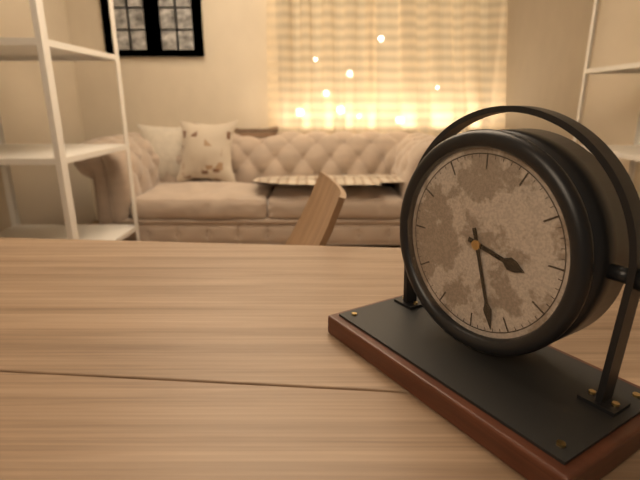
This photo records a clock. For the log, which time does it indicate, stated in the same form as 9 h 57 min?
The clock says 3 h 27 min
